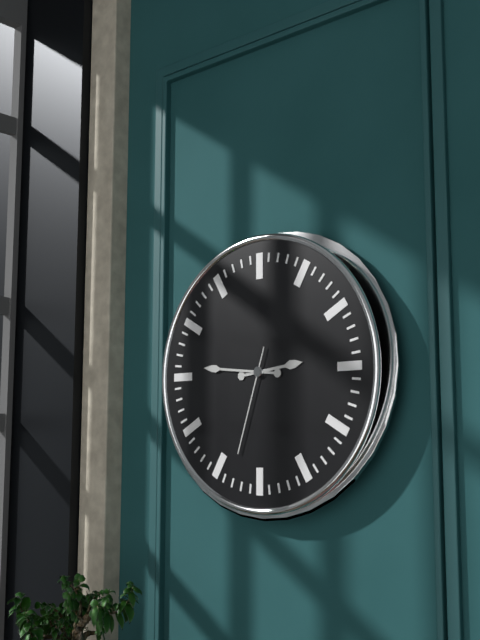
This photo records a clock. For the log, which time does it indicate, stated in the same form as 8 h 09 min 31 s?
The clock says 2 h 46 min 33 s
